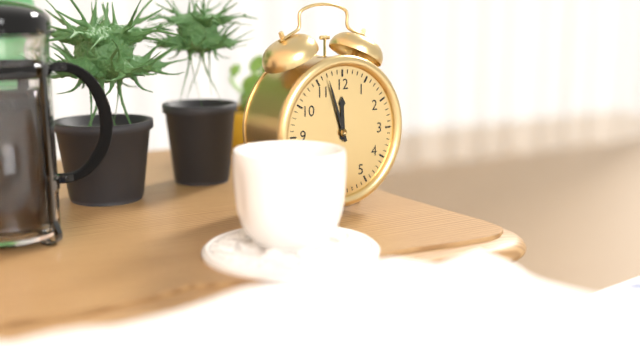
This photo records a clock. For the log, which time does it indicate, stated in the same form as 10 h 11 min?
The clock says 11 h 57 min
